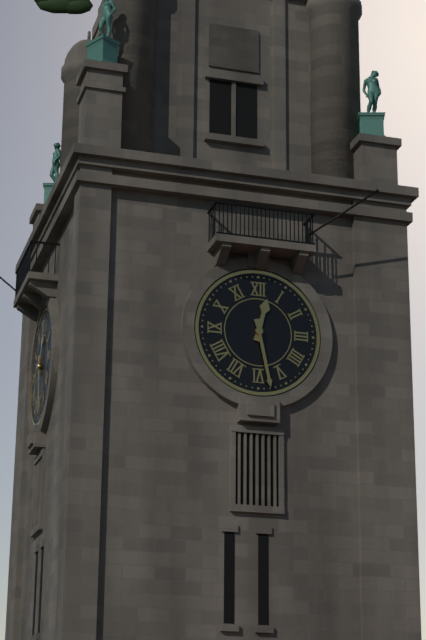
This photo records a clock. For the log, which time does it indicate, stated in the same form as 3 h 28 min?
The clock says 12 h 28 min
